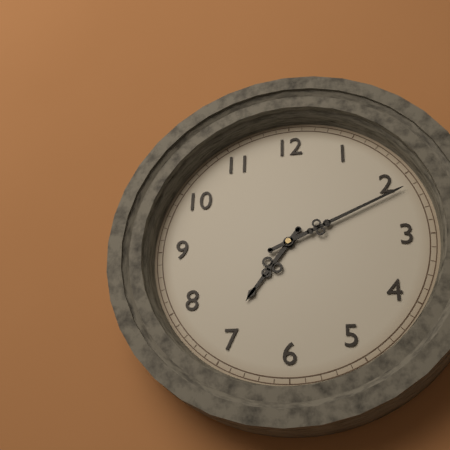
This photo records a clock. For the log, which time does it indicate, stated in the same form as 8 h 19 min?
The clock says 7 h 11 min
